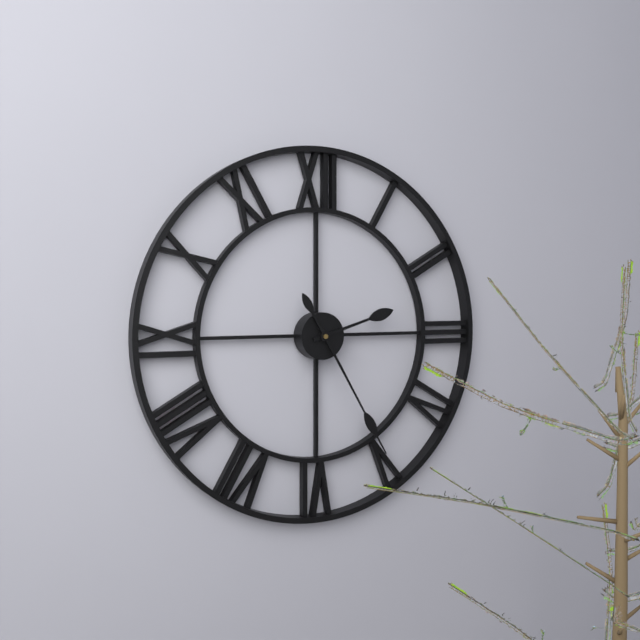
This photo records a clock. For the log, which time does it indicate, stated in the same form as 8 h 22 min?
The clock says 2 h 25 min
